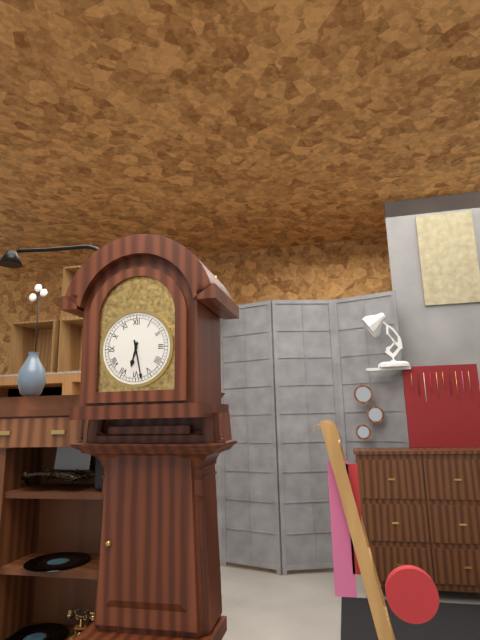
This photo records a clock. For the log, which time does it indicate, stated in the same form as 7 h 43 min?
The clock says 6 h 28 min
